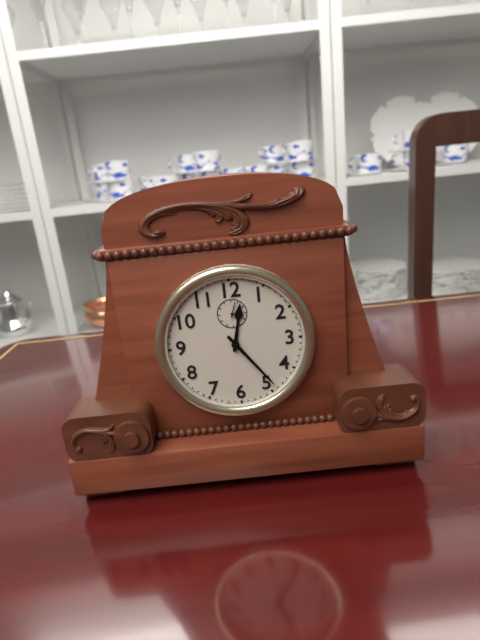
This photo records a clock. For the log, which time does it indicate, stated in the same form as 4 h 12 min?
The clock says 12 h 24 min
